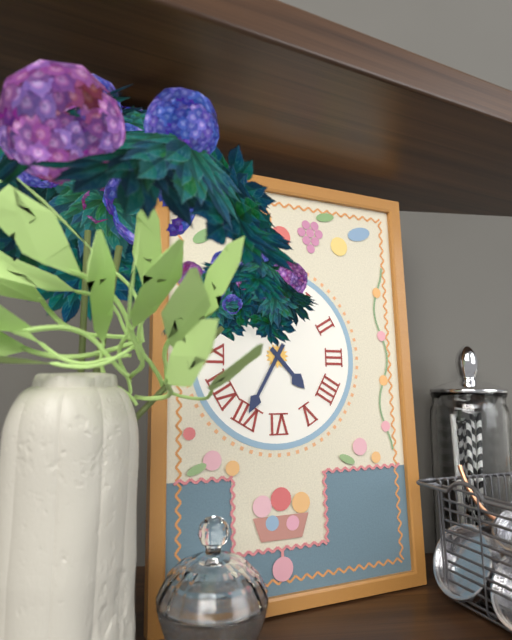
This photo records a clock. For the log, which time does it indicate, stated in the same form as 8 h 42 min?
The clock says 4 h 35 min
